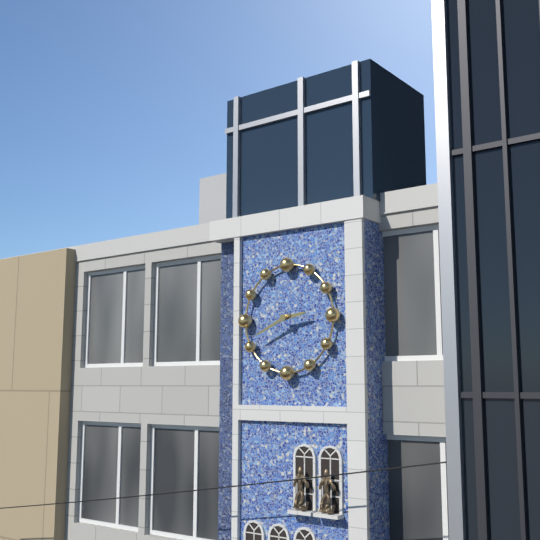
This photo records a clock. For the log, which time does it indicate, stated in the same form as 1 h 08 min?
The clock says 2 h 41 min
